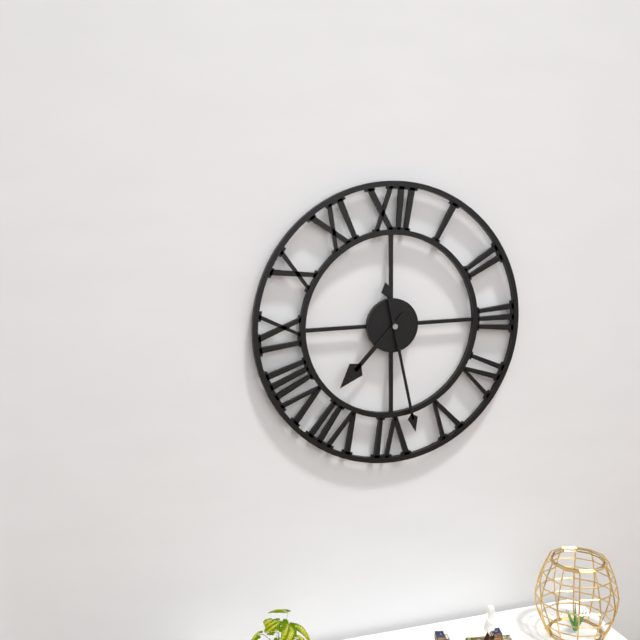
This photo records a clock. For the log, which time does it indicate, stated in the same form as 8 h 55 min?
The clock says 7 h 28 min
